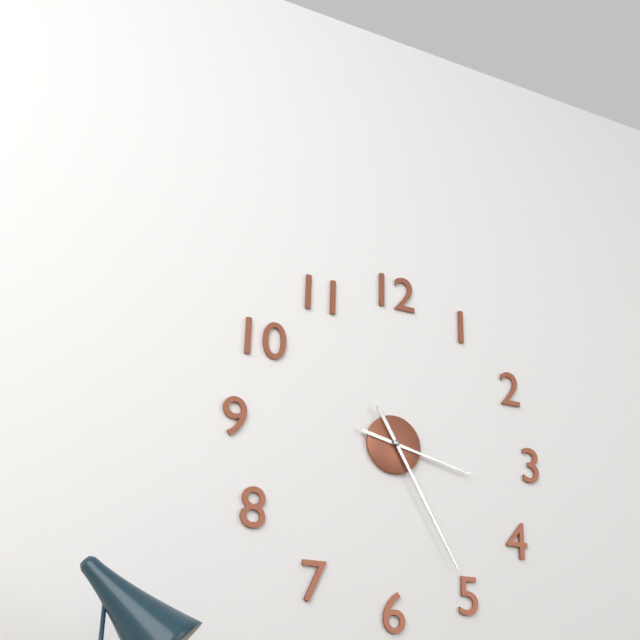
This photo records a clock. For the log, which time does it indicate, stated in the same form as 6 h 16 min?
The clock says 3 h 25 min
